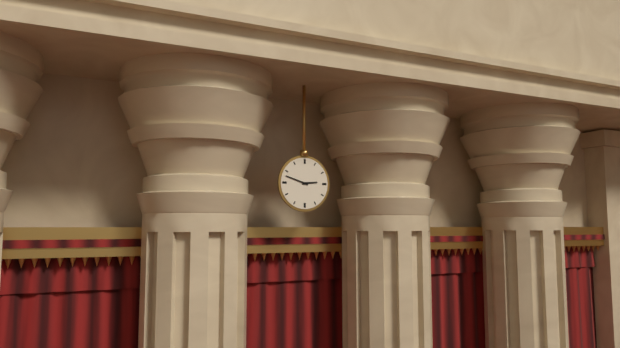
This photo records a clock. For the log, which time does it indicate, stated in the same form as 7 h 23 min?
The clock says 2 h 48 min
